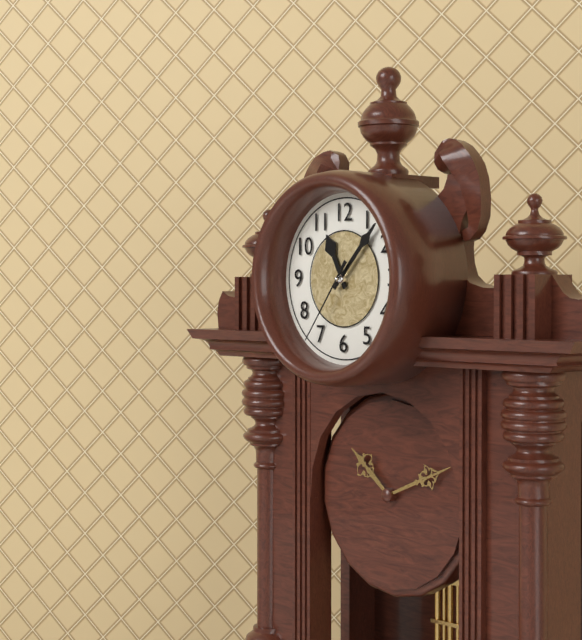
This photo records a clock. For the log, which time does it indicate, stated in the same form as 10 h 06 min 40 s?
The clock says 11 h 07 min 36 s
